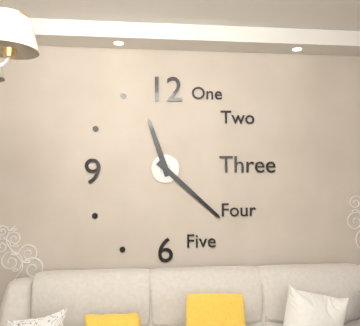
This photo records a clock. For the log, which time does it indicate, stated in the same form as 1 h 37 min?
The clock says 11 h 22 min
